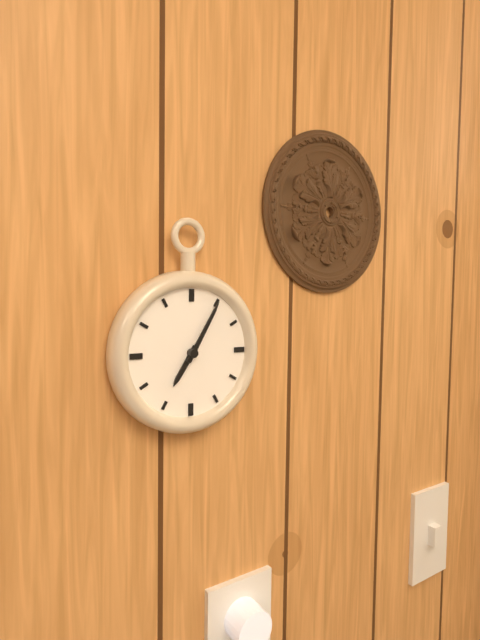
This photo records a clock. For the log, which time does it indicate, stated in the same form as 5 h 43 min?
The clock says 7 h 05 min
